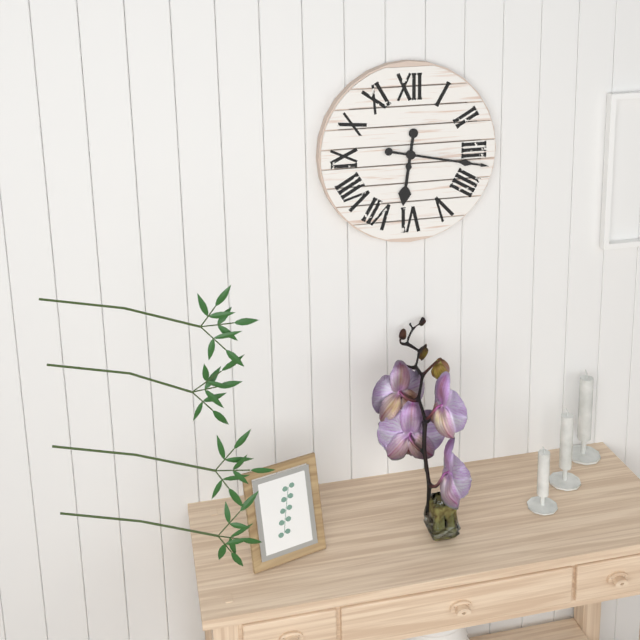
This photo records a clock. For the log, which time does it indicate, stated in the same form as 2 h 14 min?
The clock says 6 h 17 min
